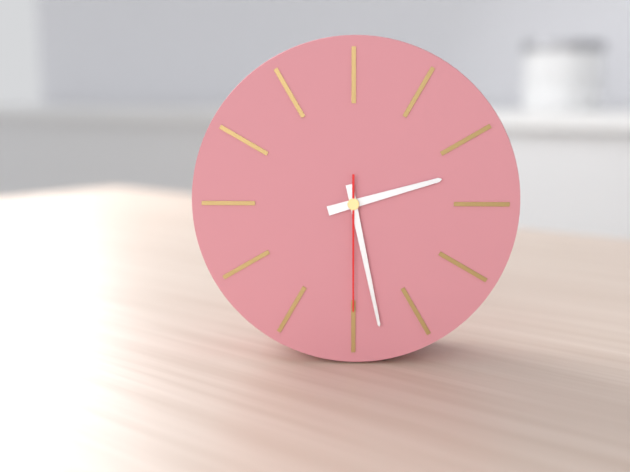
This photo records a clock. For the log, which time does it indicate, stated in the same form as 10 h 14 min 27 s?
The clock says 2 h 28 min 30 s
